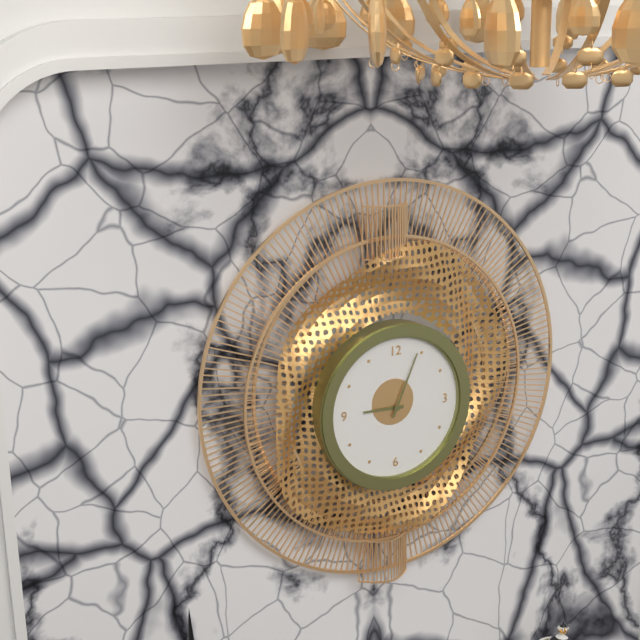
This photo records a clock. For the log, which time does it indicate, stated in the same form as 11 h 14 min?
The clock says 9 h 04 min
